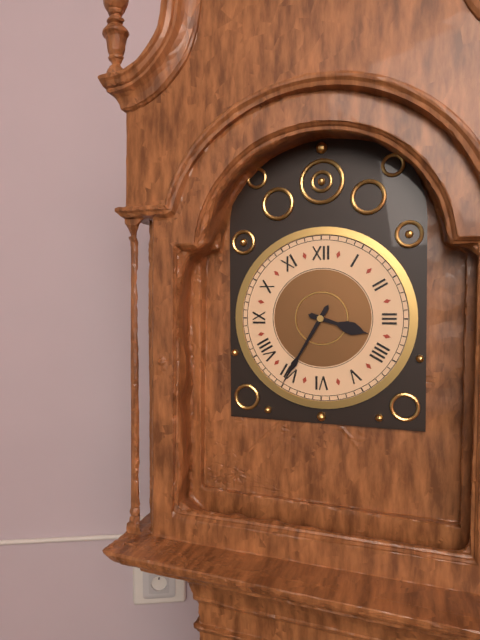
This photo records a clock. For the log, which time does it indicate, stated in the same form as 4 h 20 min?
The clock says 3 h 35 min
